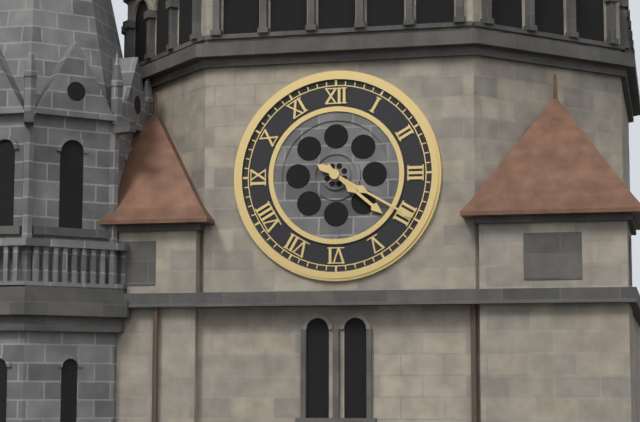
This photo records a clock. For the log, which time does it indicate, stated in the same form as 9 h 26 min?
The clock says 4 h 20 min
